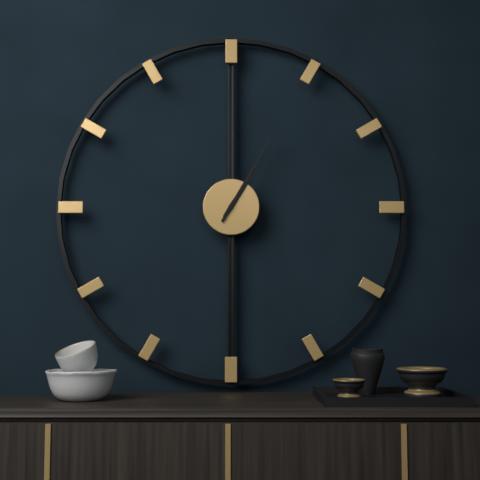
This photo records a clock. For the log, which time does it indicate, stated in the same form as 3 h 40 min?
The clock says 1 h 05 min
